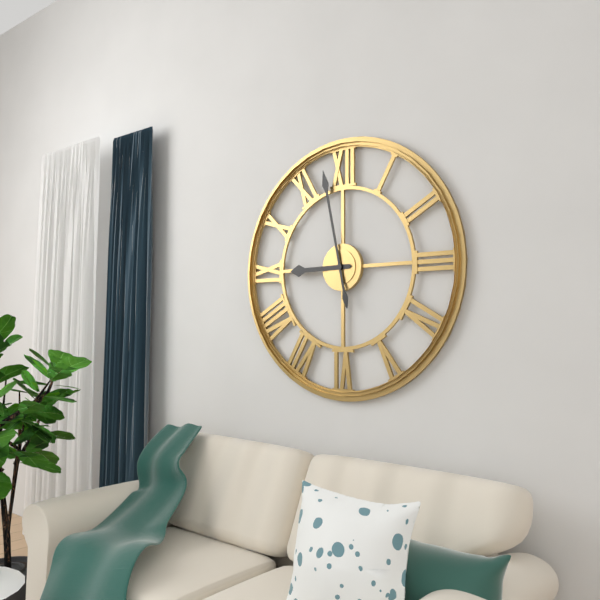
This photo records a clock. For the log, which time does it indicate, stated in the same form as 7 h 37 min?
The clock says 8 h 58 min
